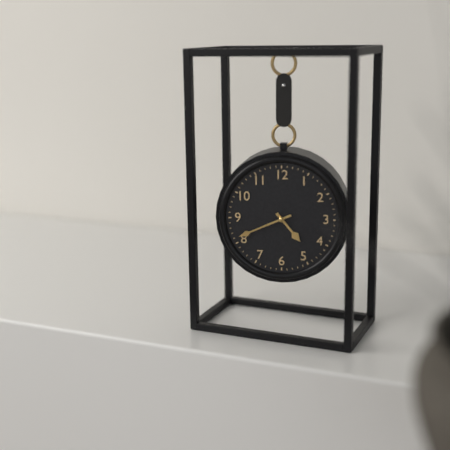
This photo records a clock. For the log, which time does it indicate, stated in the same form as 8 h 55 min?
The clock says 4 h 41 min
